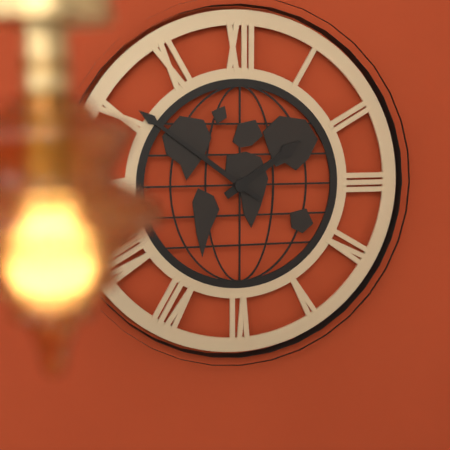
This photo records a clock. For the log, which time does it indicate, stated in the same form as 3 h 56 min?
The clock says 1 h 51 min
